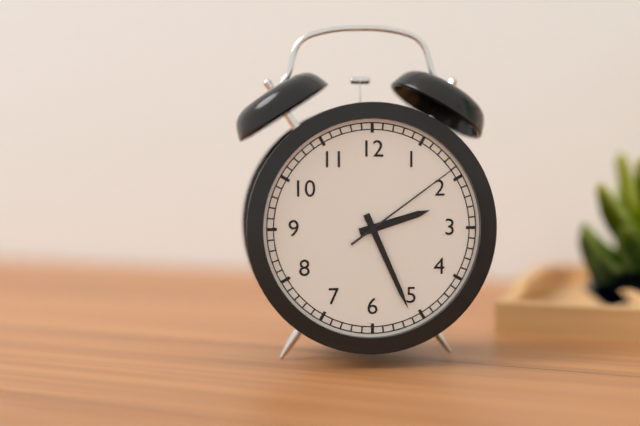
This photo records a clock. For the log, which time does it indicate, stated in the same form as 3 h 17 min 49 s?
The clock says 2 h 26 min 09 s
